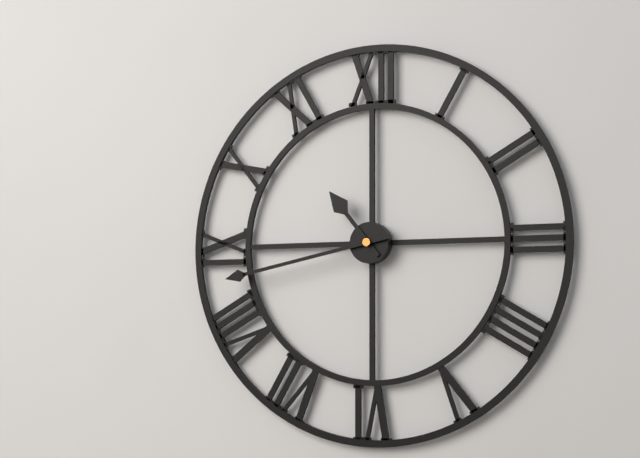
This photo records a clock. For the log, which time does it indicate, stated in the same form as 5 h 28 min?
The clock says 10 h 43 min
